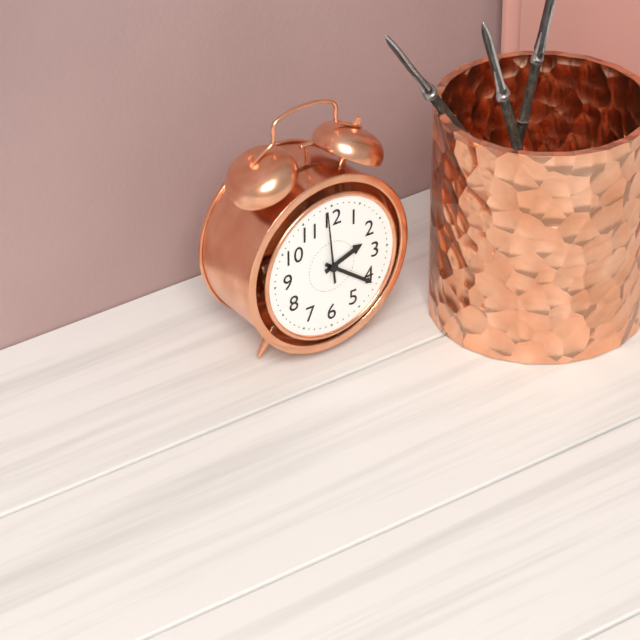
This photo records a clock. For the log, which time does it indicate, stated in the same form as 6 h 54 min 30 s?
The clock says 2 h 21 min 59 s
